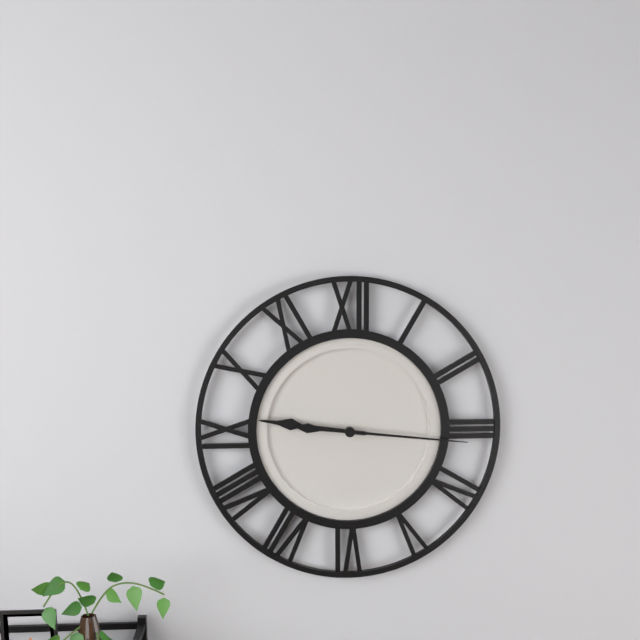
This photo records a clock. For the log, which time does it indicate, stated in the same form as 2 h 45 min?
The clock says 9 h 16 min
